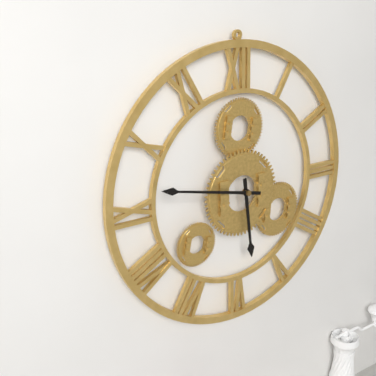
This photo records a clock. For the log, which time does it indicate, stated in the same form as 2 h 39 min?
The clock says 5 h 47 min
